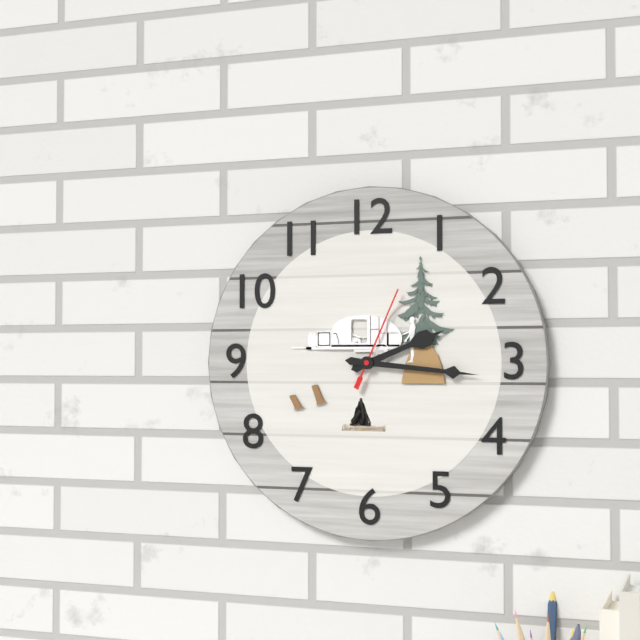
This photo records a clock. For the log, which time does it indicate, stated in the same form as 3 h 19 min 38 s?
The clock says 2 h 16 min 04 s
